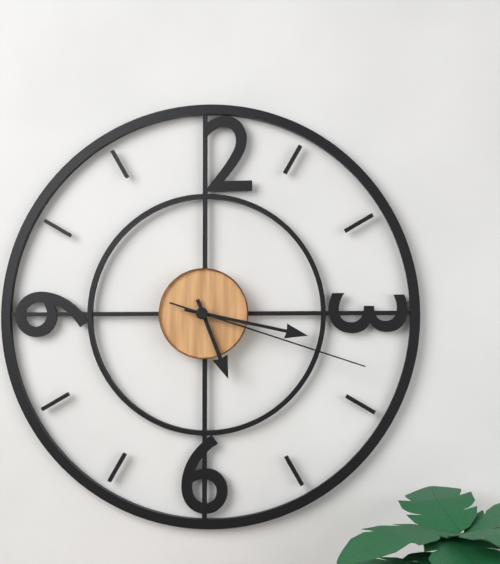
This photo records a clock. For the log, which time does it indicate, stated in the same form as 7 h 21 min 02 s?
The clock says 5 h 17 min 18 s
